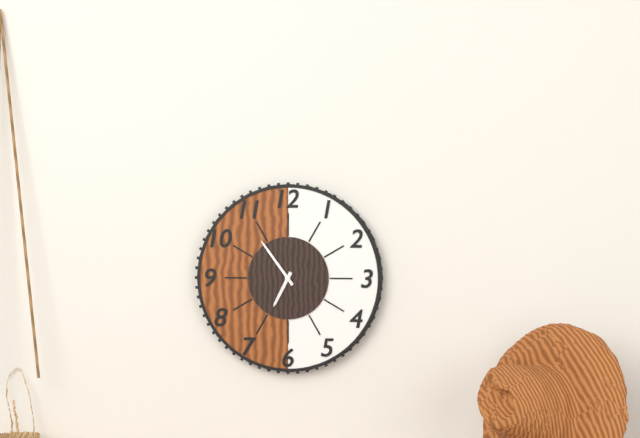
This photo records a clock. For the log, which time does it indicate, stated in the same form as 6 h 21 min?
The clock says 6 h 54 min
